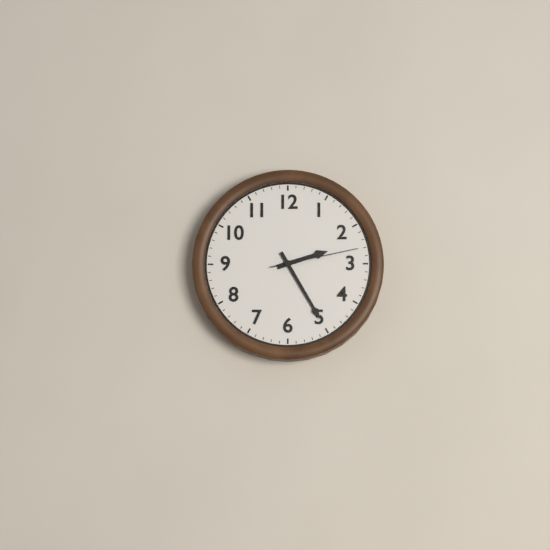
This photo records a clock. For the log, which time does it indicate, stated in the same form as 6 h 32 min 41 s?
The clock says 2 h 25 min 13 s
